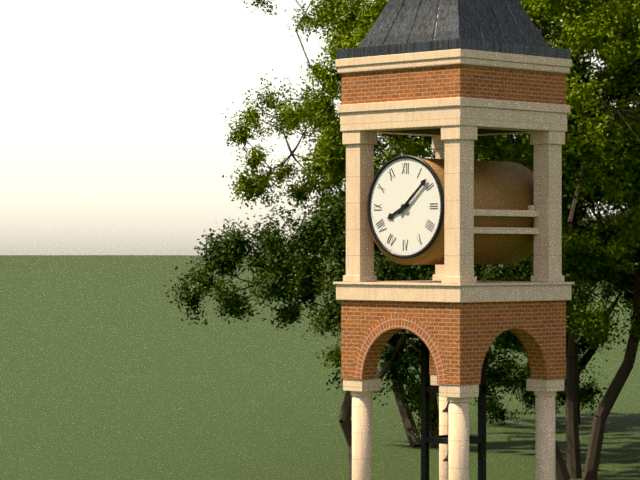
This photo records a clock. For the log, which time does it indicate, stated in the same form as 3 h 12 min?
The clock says 8 h 08 min
